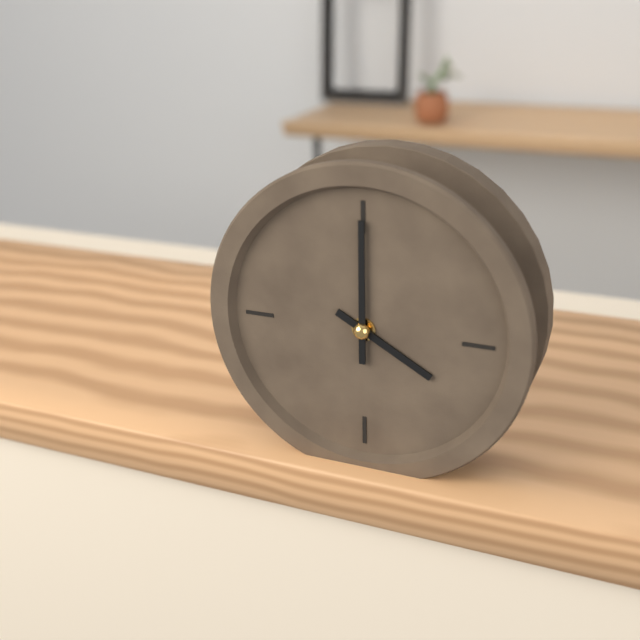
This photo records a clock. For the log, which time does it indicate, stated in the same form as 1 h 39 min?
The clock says 4 h 00 min
